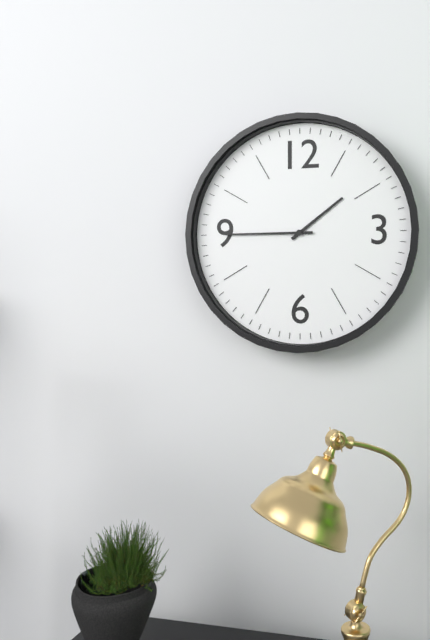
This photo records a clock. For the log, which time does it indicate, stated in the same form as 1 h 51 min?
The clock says 1 h 45 min
